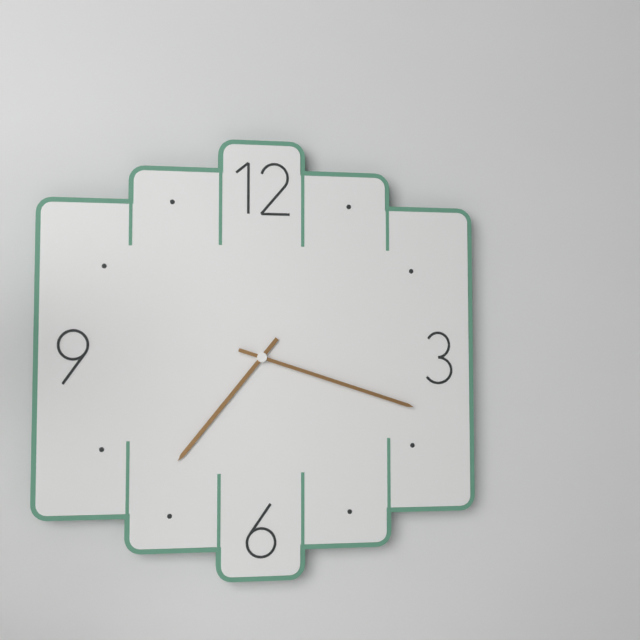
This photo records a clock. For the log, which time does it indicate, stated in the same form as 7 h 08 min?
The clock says 7 h 18 min
